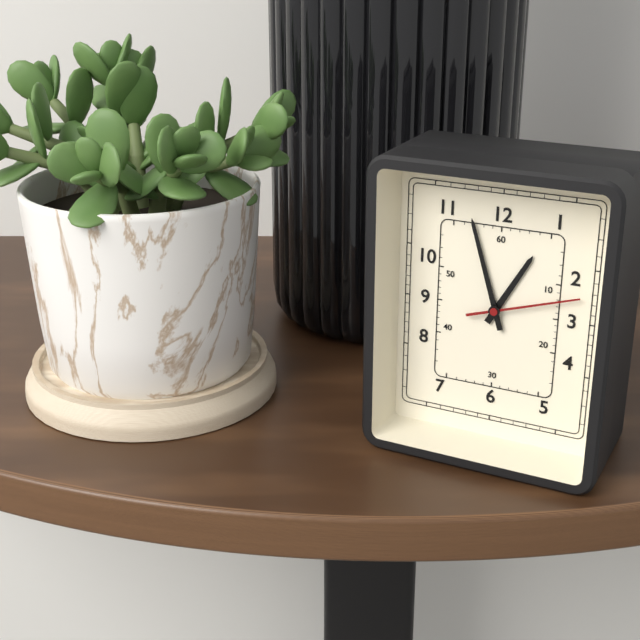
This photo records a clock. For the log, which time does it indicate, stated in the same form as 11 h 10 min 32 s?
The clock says 12 h 57 min 12 s
